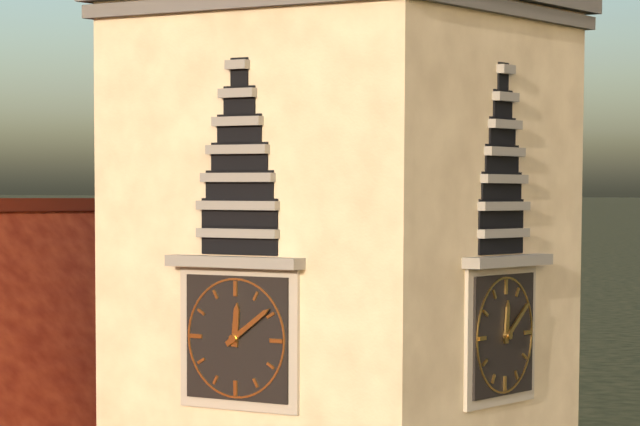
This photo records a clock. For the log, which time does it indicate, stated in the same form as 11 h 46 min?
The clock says 12 h 09 min
